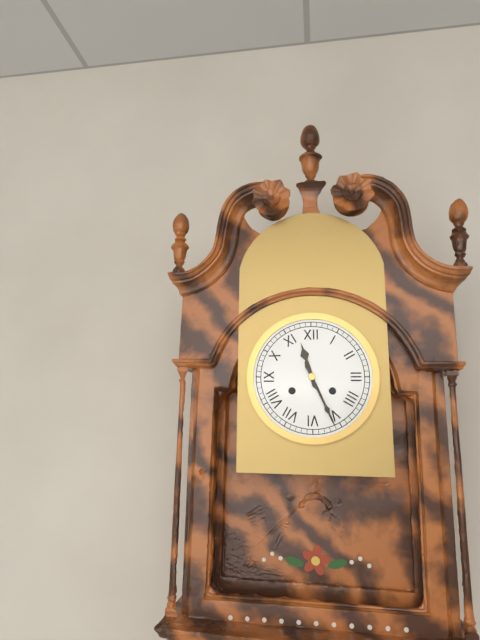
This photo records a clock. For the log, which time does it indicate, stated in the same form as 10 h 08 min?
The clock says 11 h 26 min
